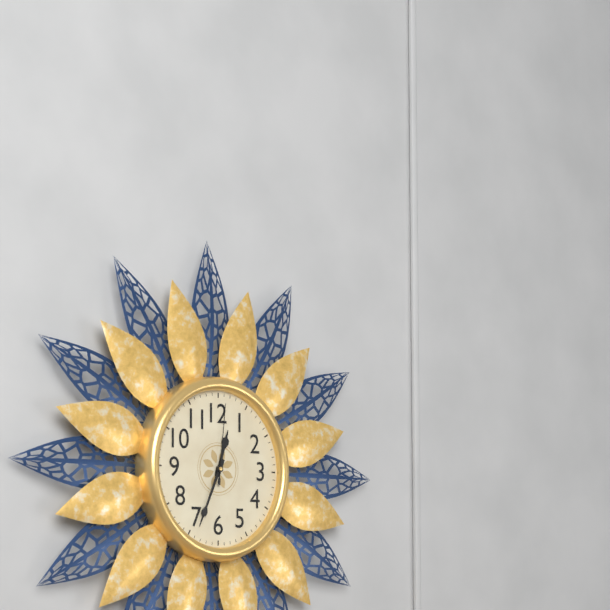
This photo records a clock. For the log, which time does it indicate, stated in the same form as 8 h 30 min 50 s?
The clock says 12 h 34 min 01 s
